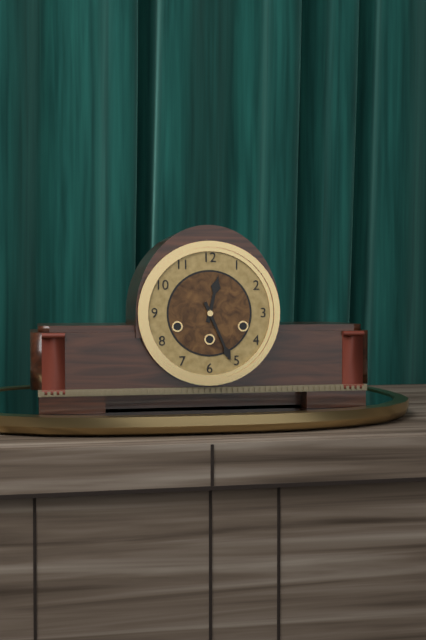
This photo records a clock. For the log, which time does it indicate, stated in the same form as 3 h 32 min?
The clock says 12 h 26 min
